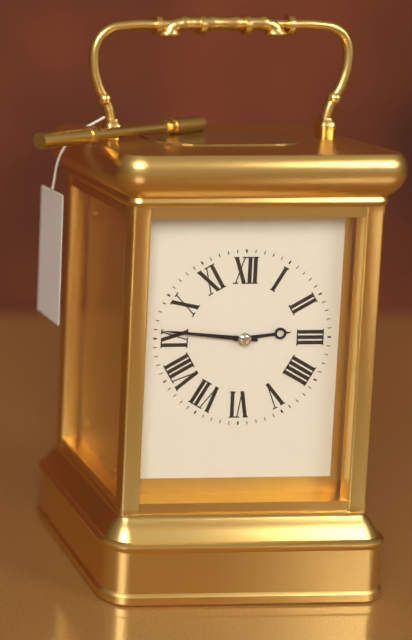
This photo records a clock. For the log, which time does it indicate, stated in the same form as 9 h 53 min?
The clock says 2 h 46 min
